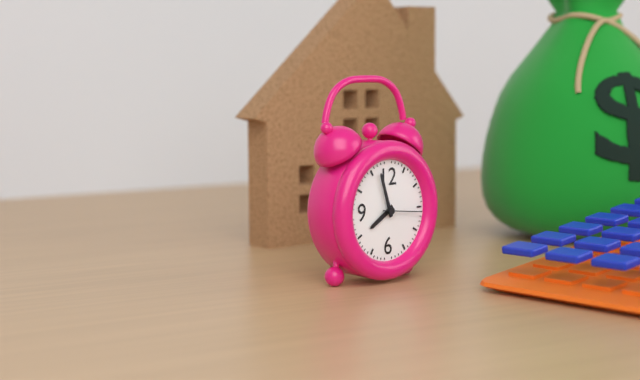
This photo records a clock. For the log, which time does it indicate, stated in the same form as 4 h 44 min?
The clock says 7 h 57 min
